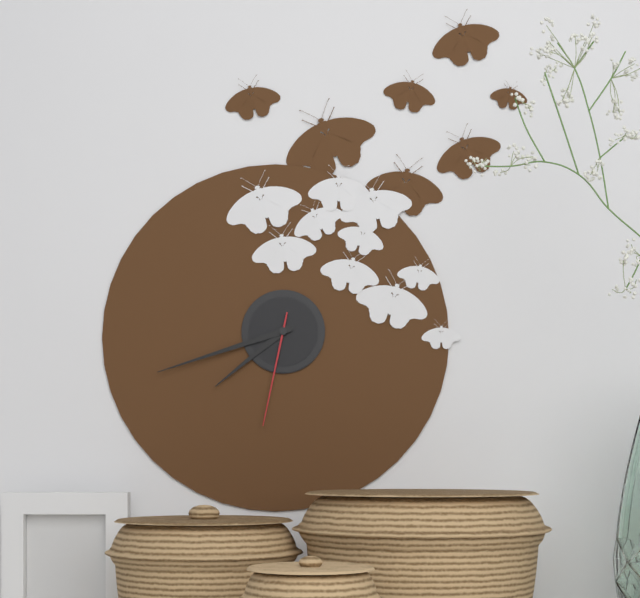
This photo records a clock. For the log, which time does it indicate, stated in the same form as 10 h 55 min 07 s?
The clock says 7 h 42 min 32 s
